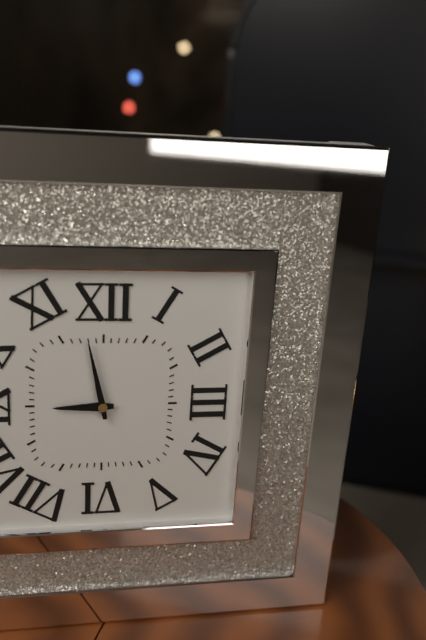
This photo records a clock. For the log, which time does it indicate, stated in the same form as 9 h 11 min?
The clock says 8 h 58 min
